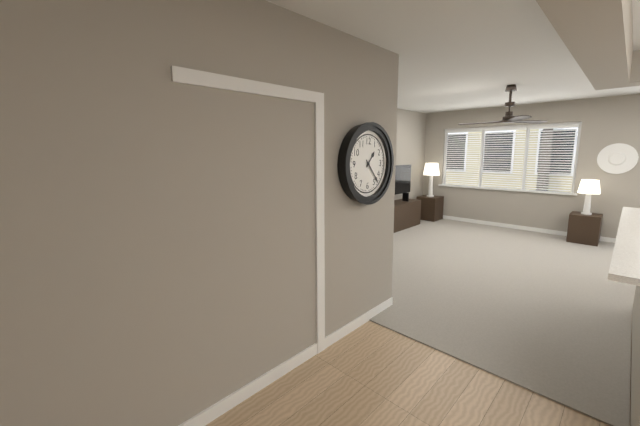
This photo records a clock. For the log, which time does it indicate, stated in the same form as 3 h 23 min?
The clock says 1 h 23 min
